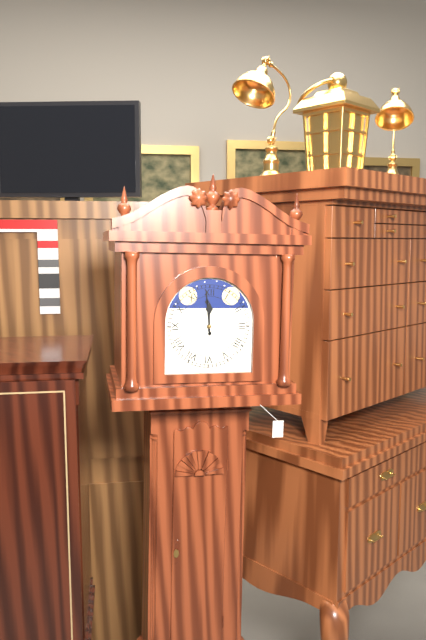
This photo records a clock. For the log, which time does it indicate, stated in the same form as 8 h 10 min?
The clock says 11 h 59 min
